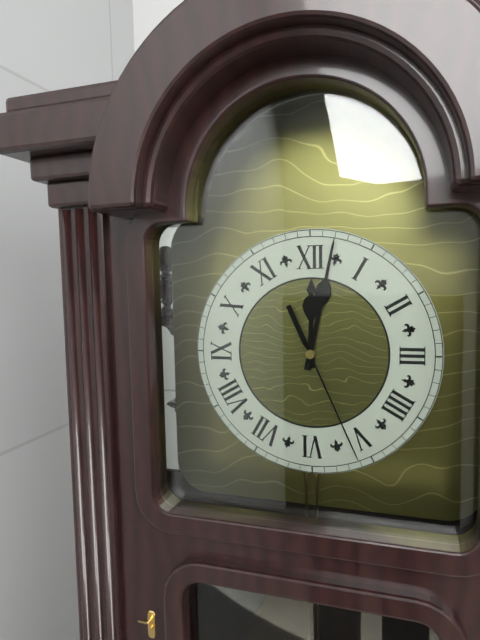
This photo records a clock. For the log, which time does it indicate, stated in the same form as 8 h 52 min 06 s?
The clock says 12 h 02 min 26 s
